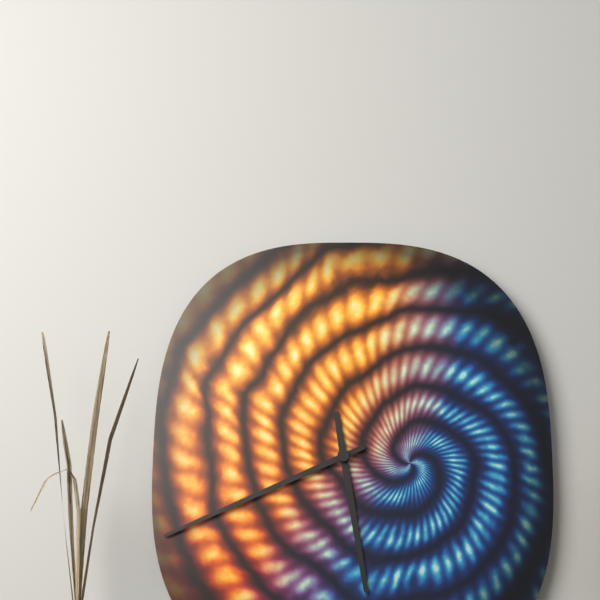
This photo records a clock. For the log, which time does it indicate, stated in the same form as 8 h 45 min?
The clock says 5 h 41 min
